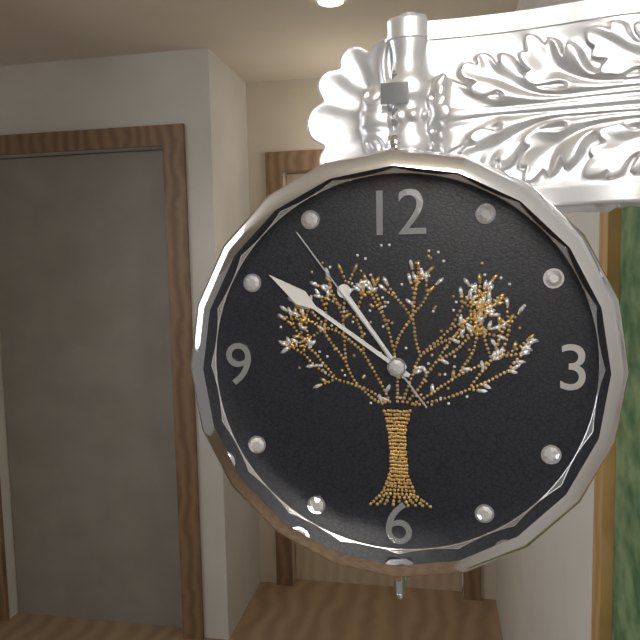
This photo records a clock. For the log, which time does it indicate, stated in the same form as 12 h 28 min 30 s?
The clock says 10 h 51 min 54 s
